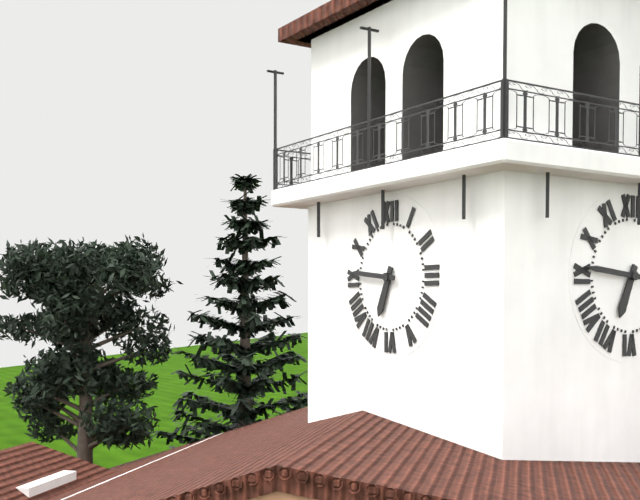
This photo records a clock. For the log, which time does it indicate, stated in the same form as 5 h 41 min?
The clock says 6 h 46 min
